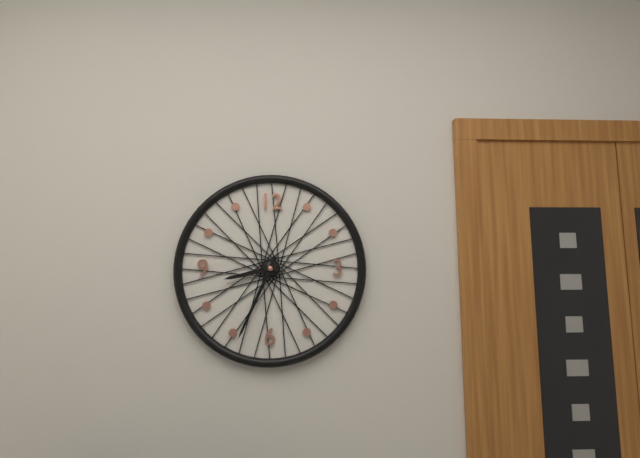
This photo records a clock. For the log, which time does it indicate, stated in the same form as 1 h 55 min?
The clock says 8 h 34 min
